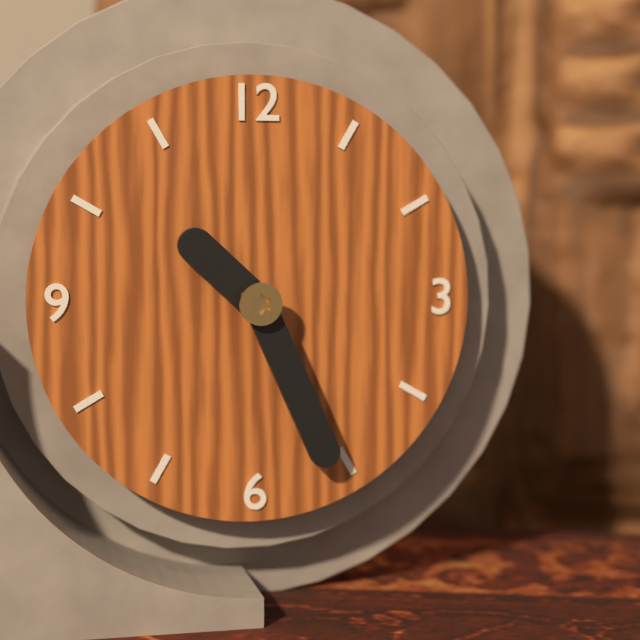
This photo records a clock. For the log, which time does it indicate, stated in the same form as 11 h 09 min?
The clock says 10 h 26 min
